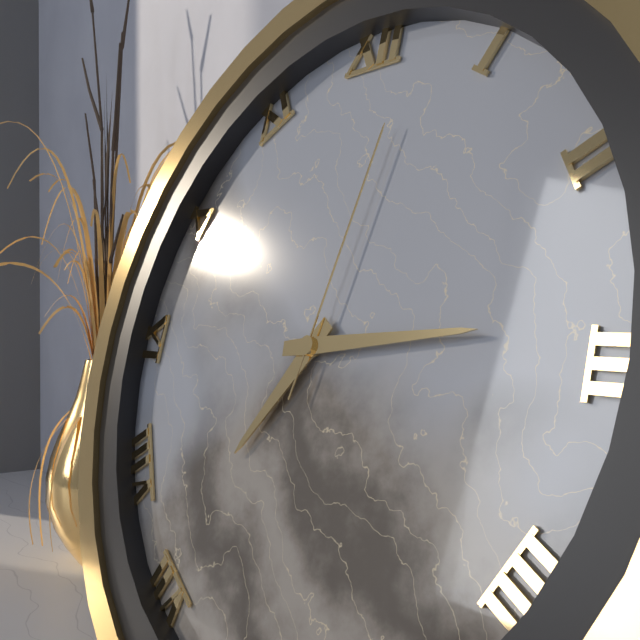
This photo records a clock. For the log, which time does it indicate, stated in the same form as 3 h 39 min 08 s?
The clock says 7 h 14 min 02 s
